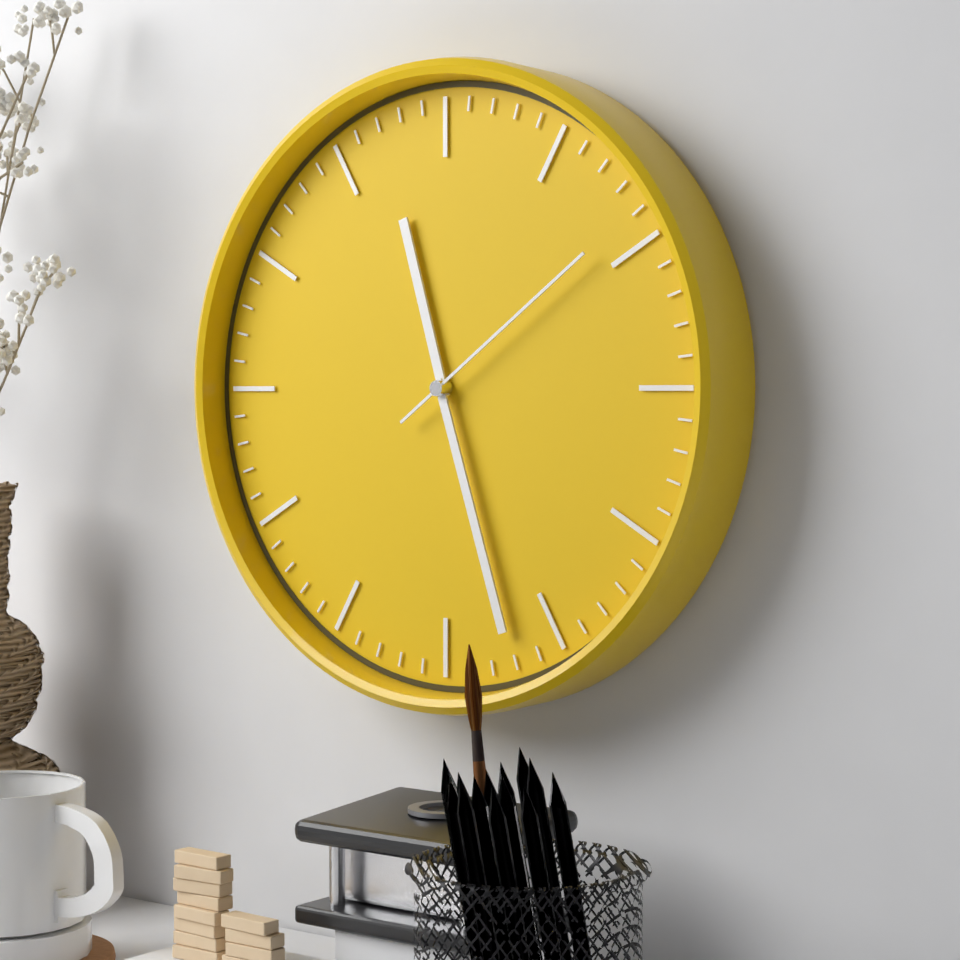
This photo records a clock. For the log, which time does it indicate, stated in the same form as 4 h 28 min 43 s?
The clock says 11 h 27 min 09 s
